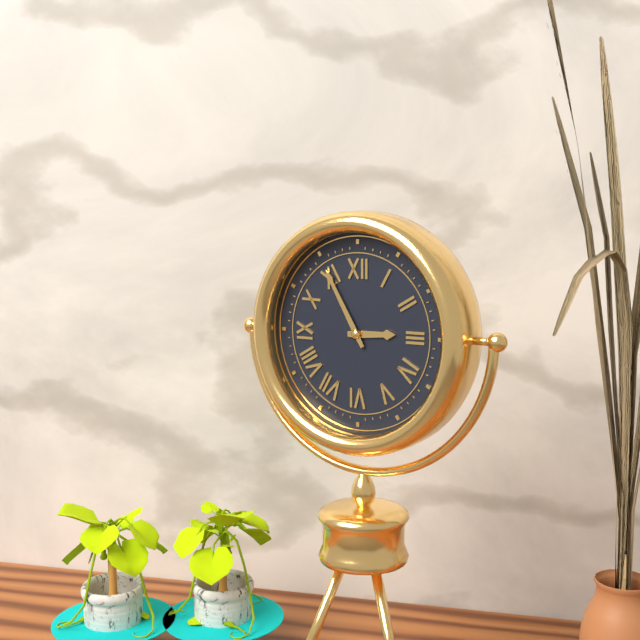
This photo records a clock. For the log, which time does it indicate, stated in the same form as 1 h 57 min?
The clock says 2 h 55 min
